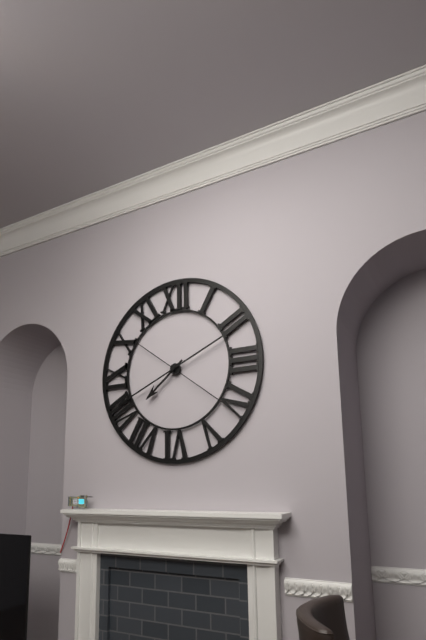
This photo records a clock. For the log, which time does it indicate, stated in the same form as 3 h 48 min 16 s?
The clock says 7 h 41 min 21 s
